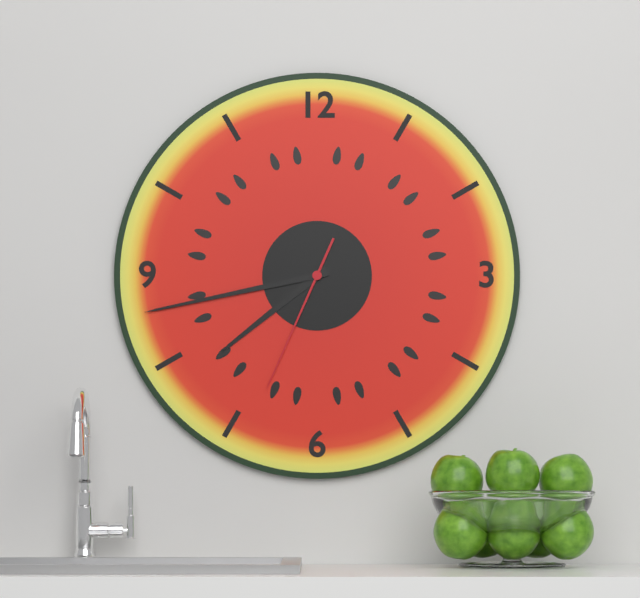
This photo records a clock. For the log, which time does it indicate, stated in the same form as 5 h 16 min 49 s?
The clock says 7 h 43 min 34 s
